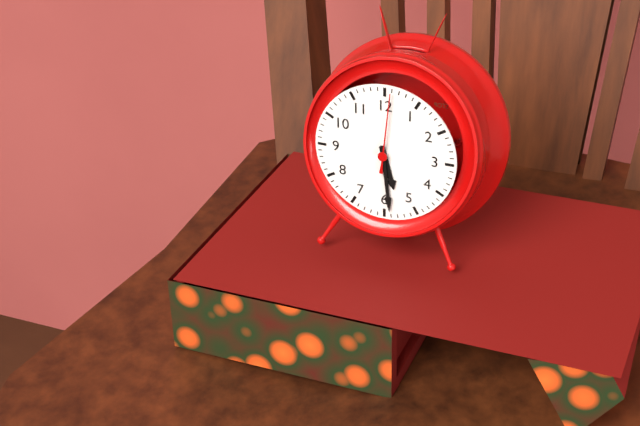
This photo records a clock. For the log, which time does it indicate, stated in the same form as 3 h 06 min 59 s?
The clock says 5 h 29 min 01 s
